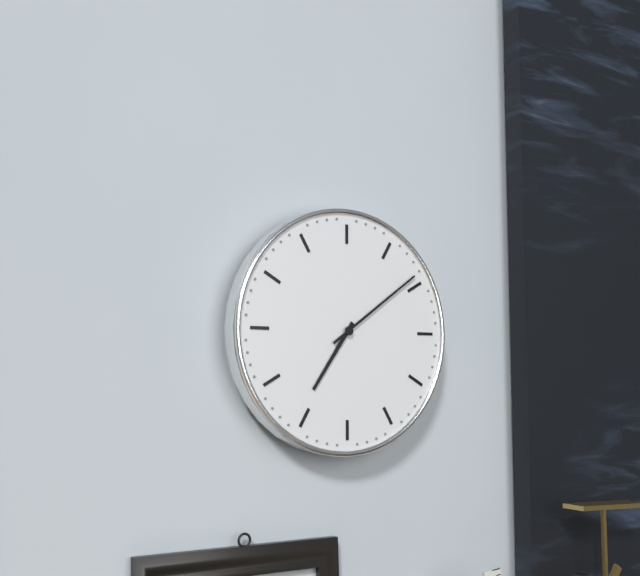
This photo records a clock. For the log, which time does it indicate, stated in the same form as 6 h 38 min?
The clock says 7 h 09 min
